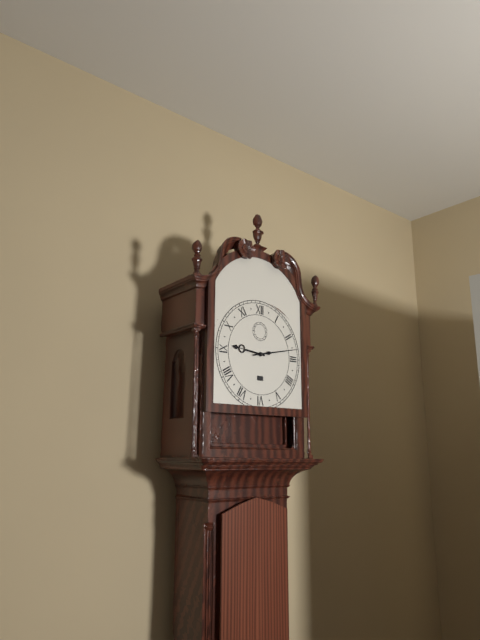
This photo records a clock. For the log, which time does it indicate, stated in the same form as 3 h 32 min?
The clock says 9 h 13 min
